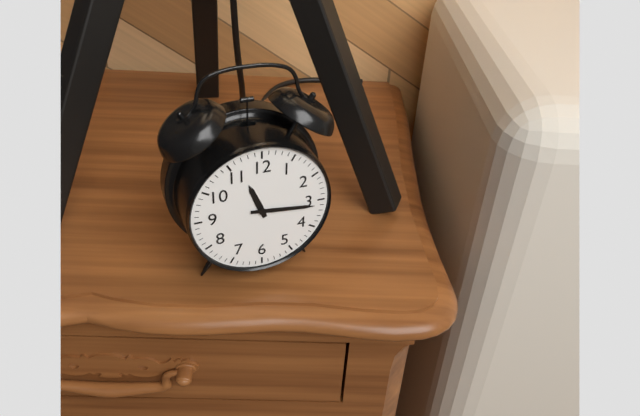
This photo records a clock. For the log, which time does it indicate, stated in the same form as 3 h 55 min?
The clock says 11 h 16 min
